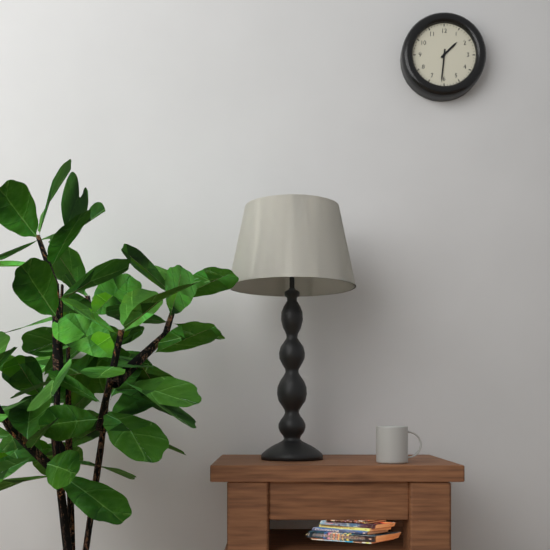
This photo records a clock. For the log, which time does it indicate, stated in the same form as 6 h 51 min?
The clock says 1 h 31 min
